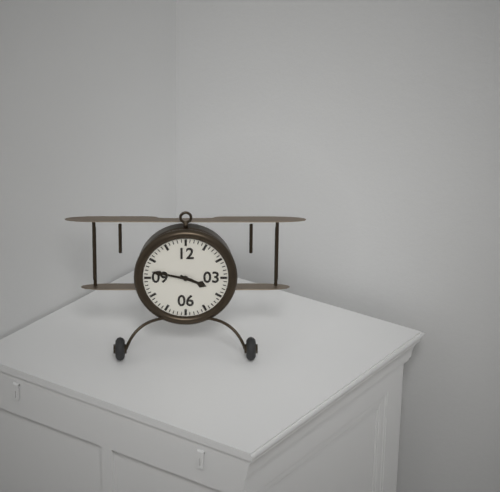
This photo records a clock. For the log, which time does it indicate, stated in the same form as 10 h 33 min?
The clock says 3 h 47 min
